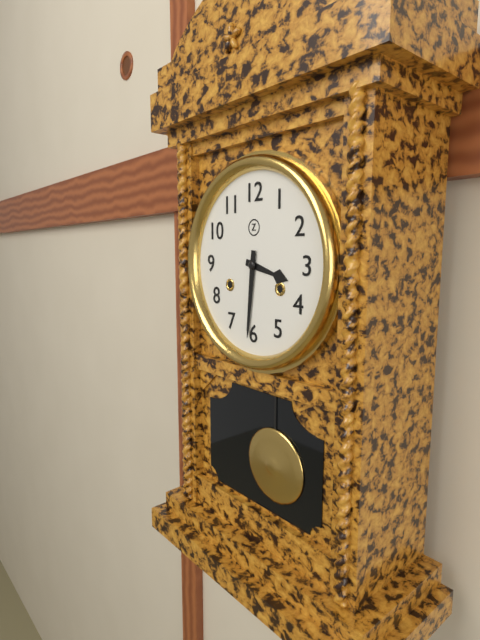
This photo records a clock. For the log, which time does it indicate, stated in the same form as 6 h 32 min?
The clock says 3 h 31 min
